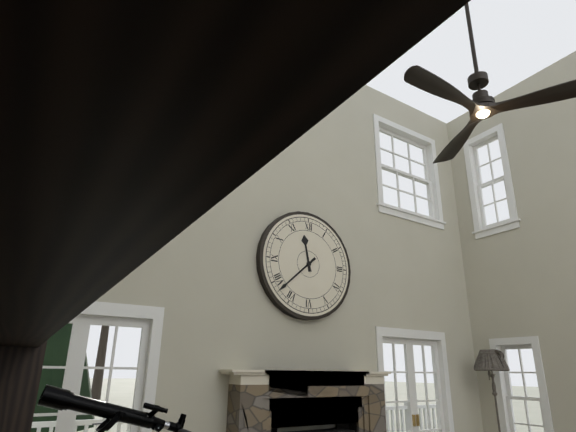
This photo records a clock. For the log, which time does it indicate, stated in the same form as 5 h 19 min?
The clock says 11 h 38 min
